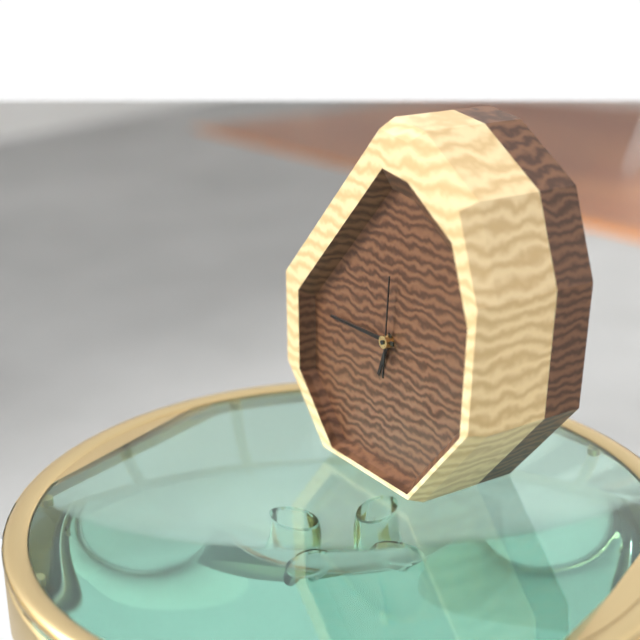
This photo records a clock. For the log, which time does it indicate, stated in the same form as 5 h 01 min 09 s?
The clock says 6 h 45 min 01 s
